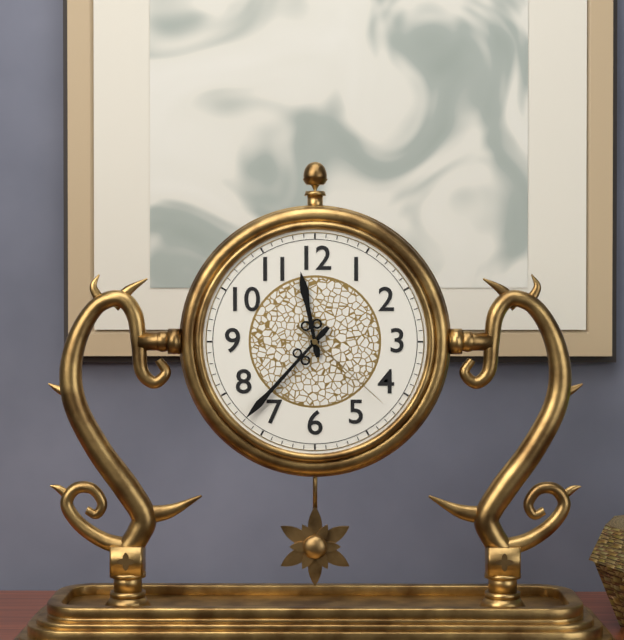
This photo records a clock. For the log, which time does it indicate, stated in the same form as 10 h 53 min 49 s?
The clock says 11 h 37 min 22 s
